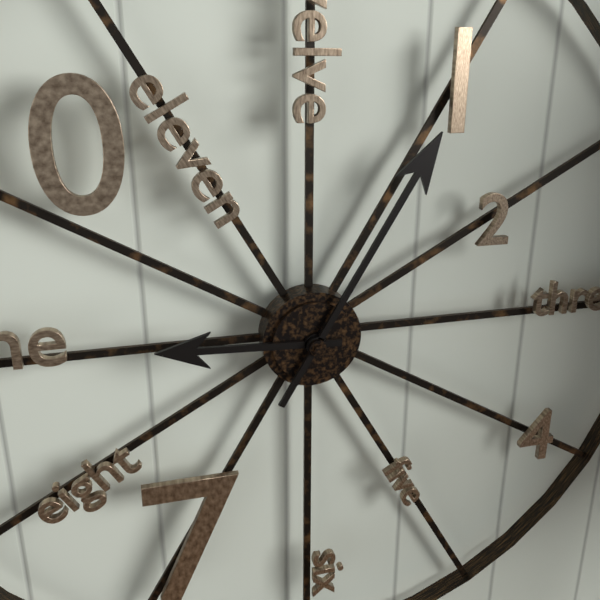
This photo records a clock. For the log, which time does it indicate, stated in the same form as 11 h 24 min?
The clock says 9 h 05 min
